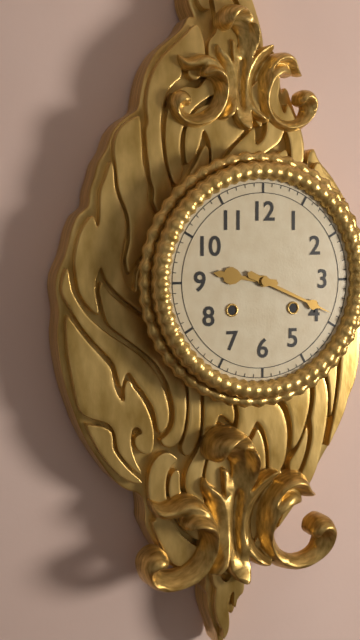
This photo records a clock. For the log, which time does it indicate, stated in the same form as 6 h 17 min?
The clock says 9 h 19 min
